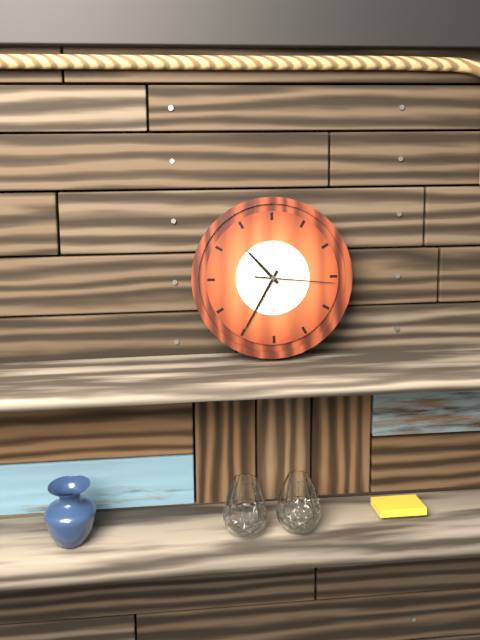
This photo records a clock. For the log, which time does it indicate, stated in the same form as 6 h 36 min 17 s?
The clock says 10 h 35 min 16 s
